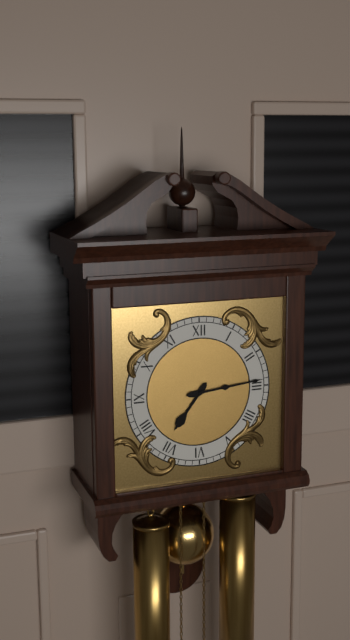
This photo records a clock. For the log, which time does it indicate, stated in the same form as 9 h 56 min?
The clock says 7 h 14 min
